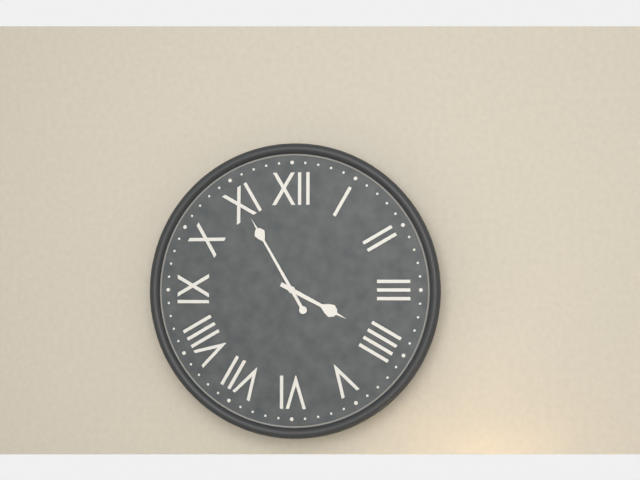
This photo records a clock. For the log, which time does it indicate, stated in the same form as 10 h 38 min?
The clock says 3 h 55 min
